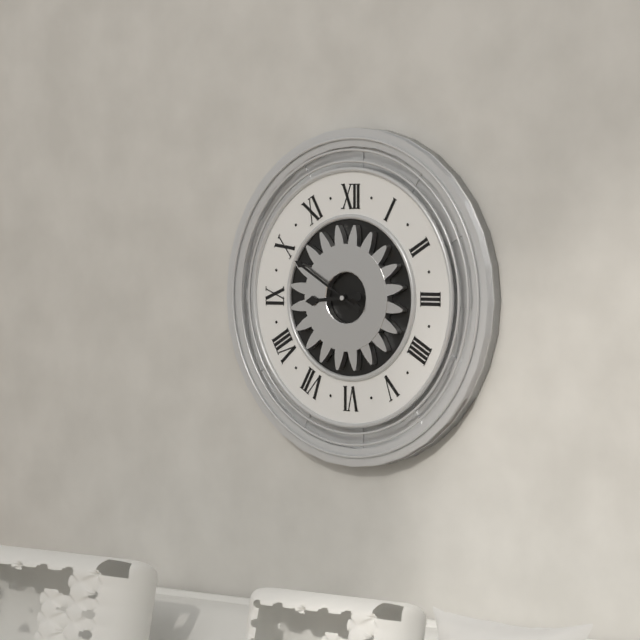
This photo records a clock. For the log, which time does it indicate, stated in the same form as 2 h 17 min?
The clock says 8 h 50 min
